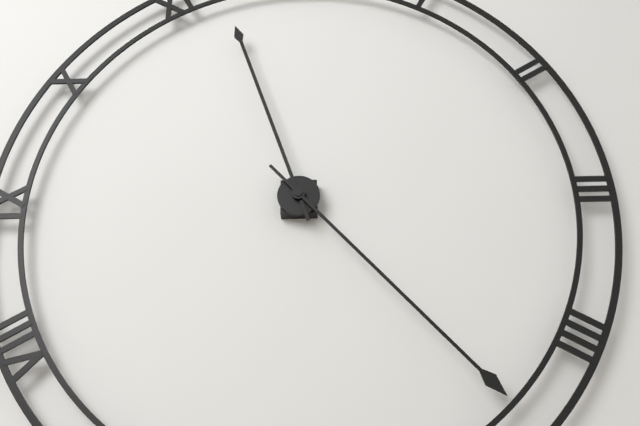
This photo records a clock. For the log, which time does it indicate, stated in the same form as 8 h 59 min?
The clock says 11 h 23 min
